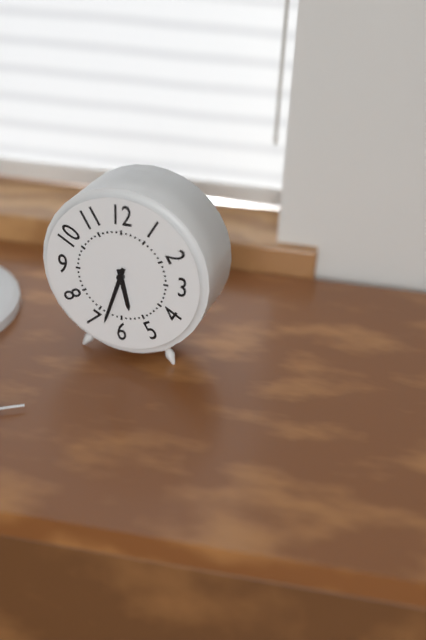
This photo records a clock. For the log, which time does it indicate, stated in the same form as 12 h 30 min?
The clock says 5 h 33 min
